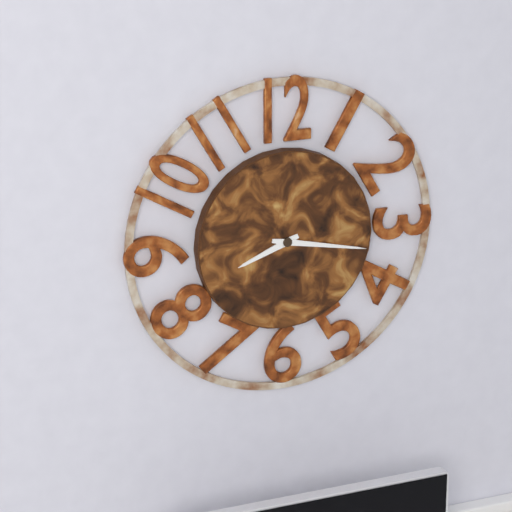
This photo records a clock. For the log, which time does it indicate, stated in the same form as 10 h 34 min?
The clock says 8 h 17 min
